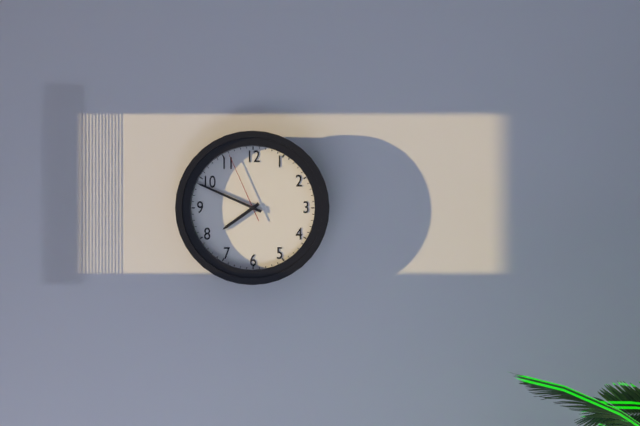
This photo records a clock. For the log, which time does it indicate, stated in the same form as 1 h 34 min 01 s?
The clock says 7 h 49 min 56 s
